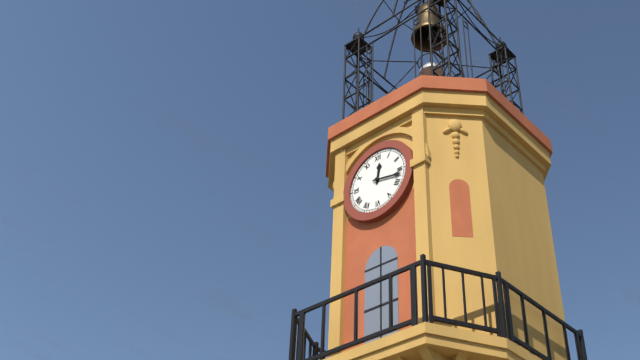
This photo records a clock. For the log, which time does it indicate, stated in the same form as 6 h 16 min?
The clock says 12 h 17 min
